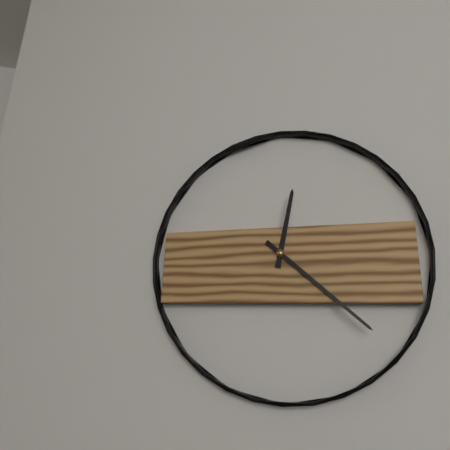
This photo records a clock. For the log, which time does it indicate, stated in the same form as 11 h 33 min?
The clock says 12 h 22 min
